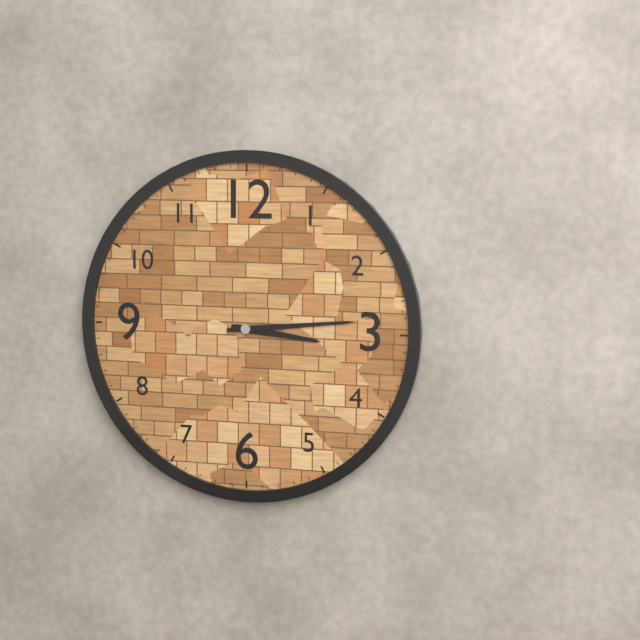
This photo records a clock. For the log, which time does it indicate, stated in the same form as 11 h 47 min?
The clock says 3 h 14 min
